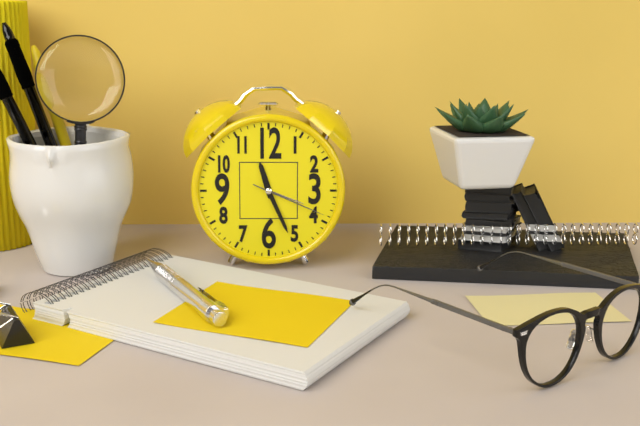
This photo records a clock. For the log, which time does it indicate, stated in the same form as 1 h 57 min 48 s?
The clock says 11 h 26 min 19 s
